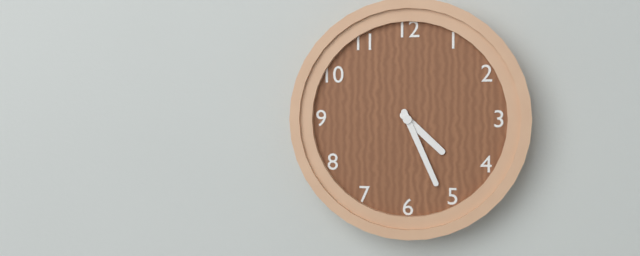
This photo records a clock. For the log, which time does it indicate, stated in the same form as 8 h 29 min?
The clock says 4 h 26 min
